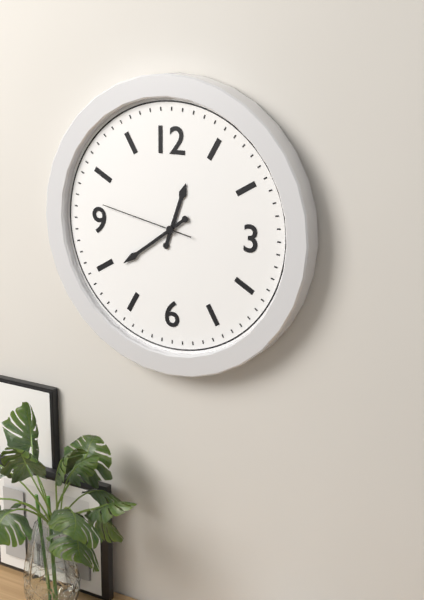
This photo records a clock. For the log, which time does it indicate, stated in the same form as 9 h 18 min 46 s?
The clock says 12 h 39 min 47 s
